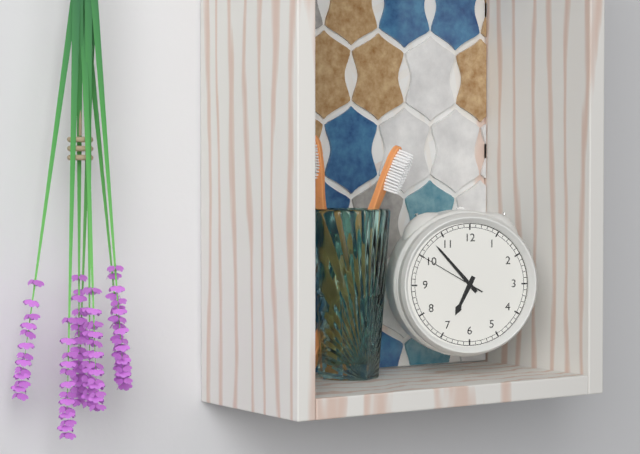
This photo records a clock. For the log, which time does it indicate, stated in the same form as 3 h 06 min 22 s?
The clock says 6 h 53 min 50 s
